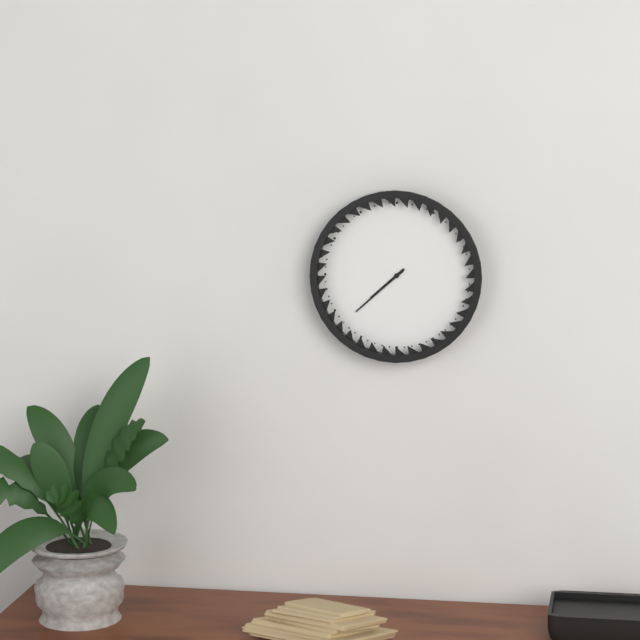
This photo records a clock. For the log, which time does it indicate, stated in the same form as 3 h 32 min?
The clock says 7 h 38 min
